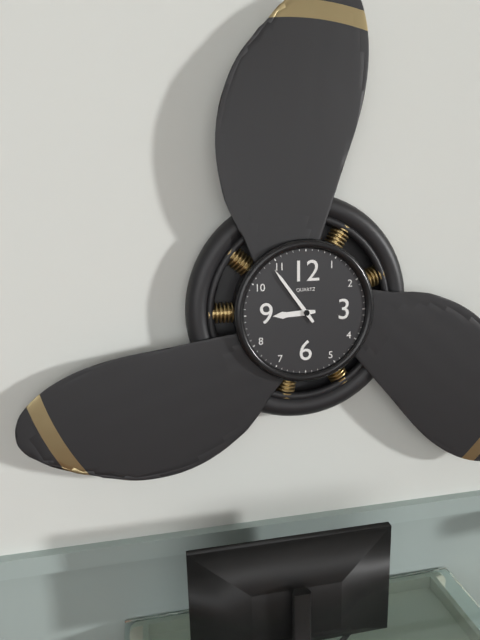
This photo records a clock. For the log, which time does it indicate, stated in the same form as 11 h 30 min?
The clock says 8 h 54 min
